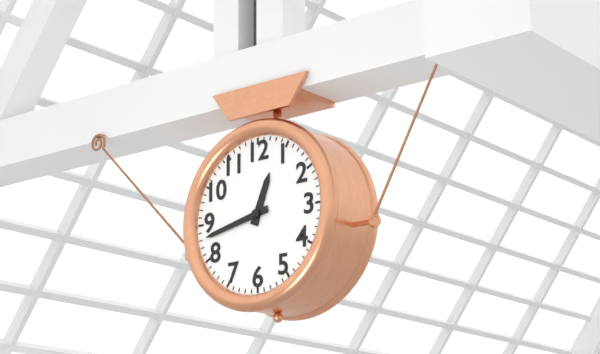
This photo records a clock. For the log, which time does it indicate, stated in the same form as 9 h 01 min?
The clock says 12 h 43 min
